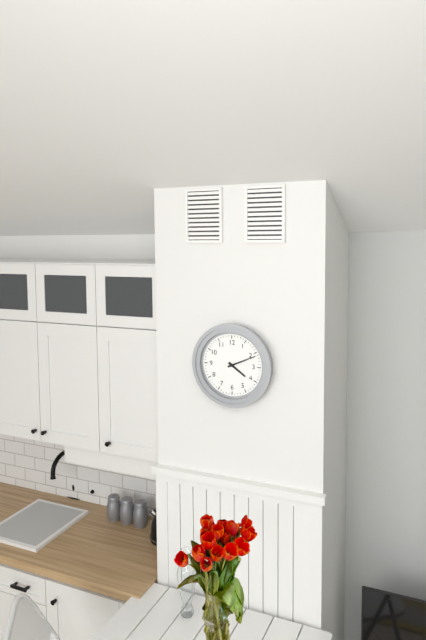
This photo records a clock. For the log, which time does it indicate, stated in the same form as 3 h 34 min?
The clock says 4 h 11 min
